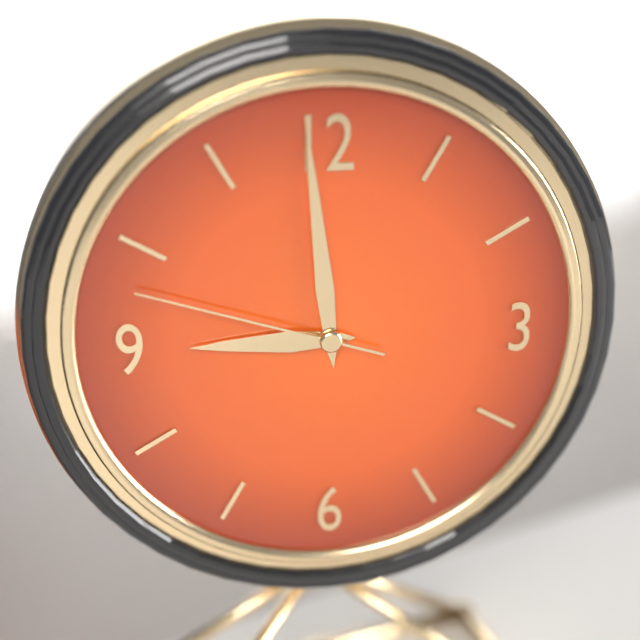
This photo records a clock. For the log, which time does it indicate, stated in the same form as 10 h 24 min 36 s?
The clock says 8 h 59 min 48 s
